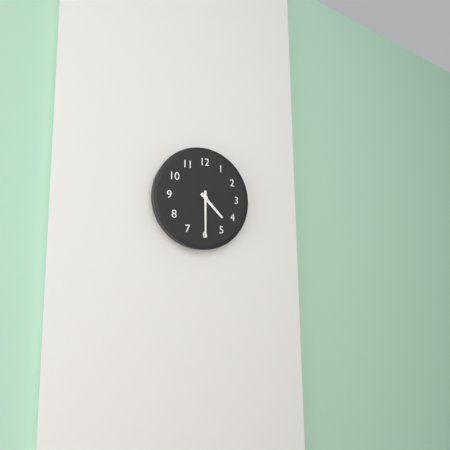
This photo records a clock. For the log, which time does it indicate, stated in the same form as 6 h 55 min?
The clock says 4 h 30 min
